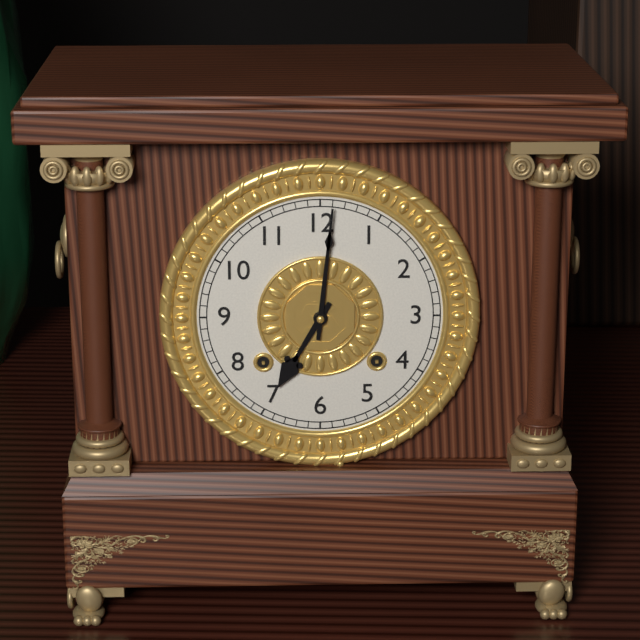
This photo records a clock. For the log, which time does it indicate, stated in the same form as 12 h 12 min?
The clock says 7 h 01 min
